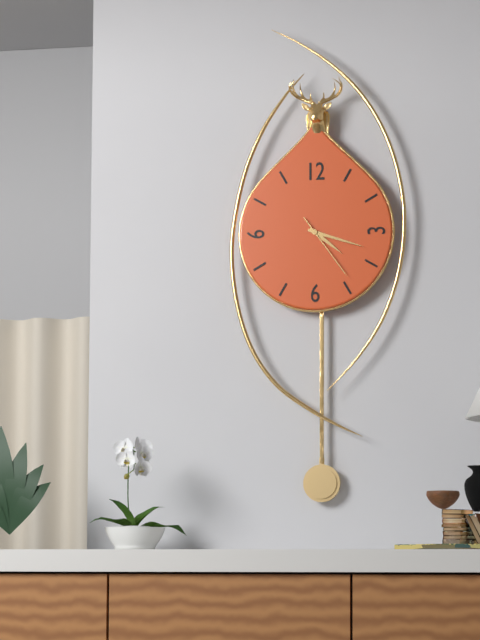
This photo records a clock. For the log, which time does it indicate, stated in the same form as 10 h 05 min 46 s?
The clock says 4 h 18 min 24 s
